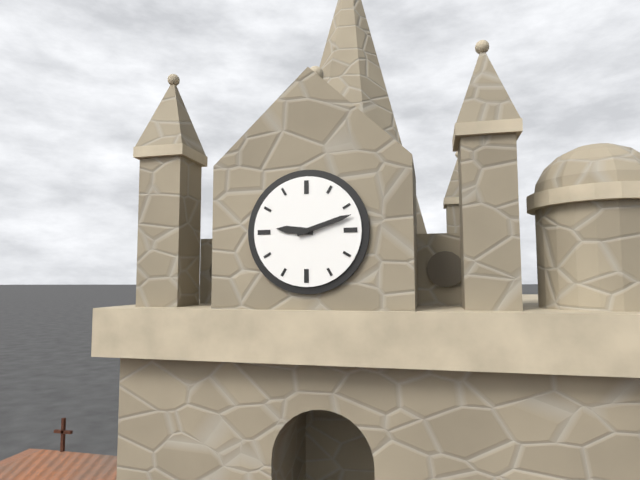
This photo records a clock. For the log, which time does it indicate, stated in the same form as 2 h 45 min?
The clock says 9 h 12 min
